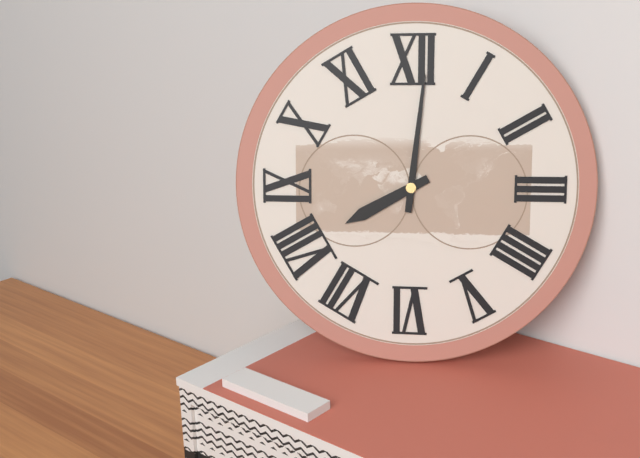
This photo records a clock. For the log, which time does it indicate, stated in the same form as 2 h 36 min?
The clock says 8 h 01 min
